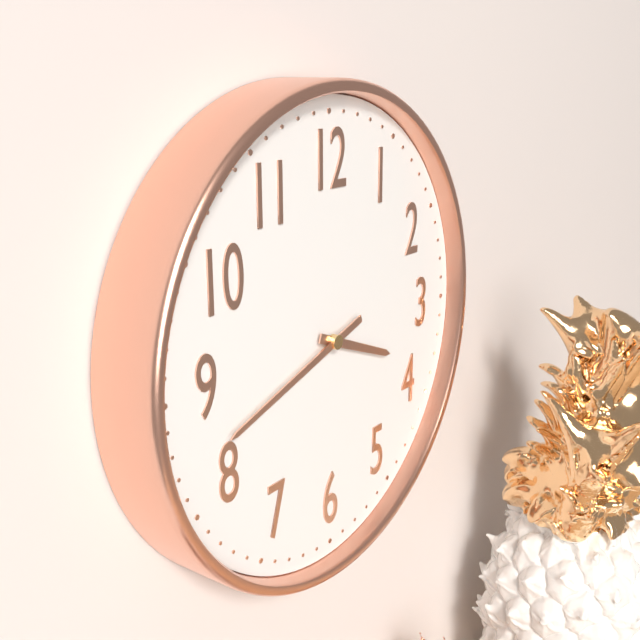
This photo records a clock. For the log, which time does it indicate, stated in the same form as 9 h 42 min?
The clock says 3 h 42 min
